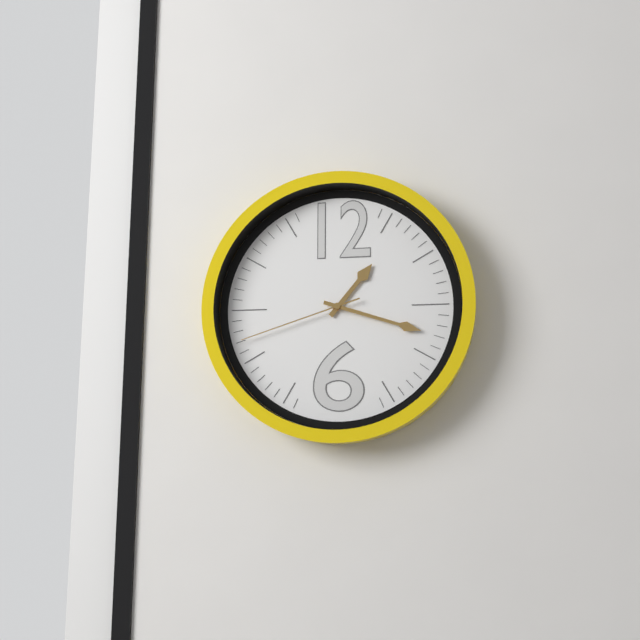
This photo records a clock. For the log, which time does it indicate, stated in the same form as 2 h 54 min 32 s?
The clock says 1 h 18 min 42 s
